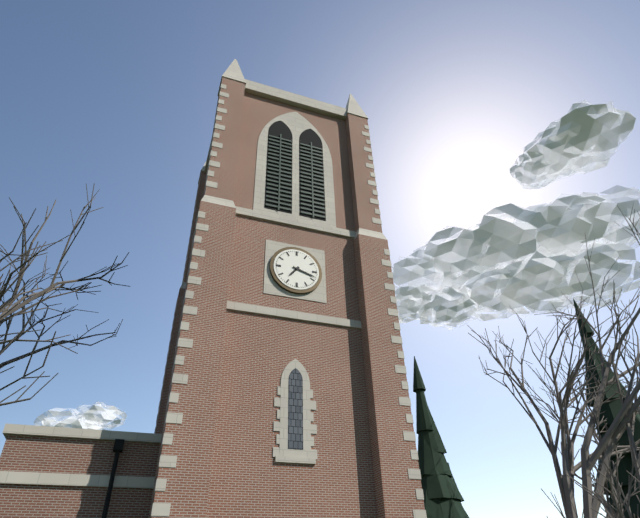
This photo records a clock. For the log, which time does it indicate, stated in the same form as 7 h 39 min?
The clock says 7 h 18 min
